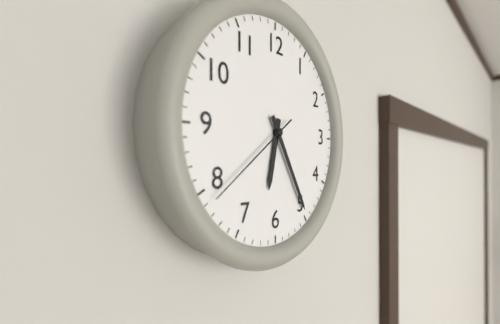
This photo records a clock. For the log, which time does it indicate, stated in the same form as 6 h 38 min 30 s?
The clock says 6 h 25 min 39 s
